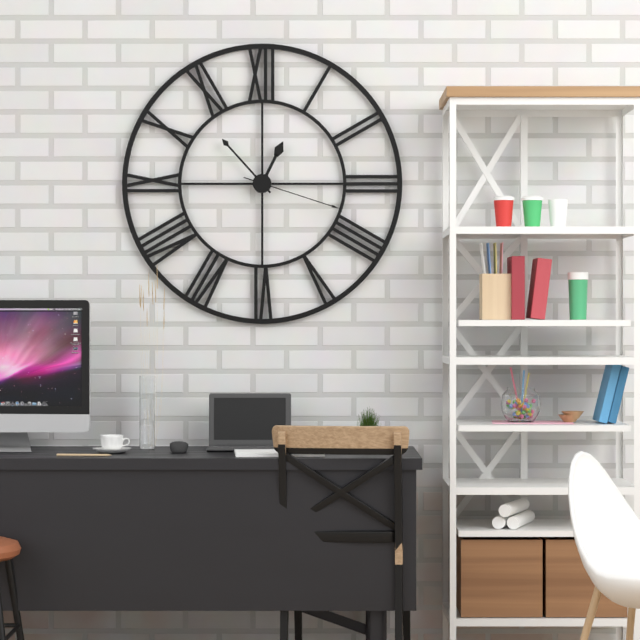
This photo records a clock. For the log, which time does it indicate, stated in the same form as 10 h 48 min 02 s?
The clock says 12 h 53 min 18 s
